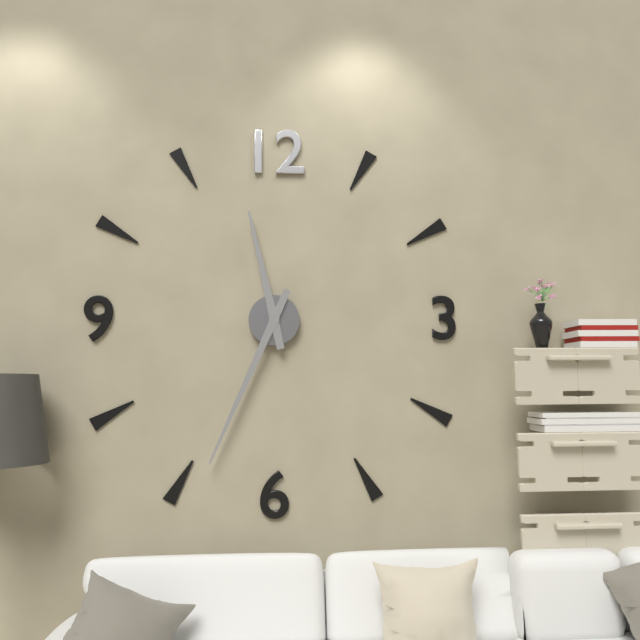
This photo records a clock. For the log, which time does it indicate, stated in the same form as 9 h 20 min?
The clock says 11 h 34 min
